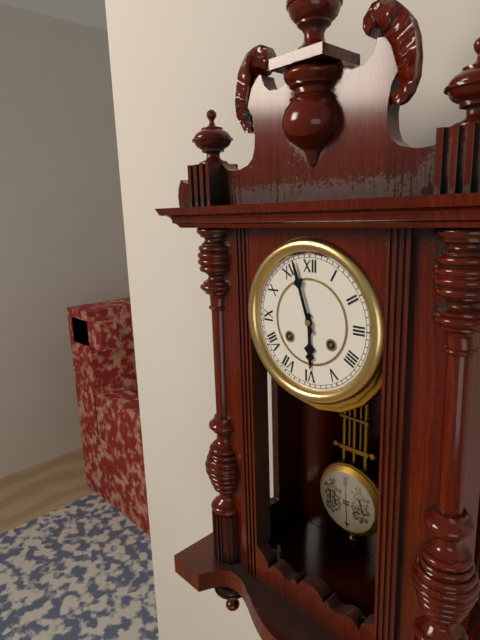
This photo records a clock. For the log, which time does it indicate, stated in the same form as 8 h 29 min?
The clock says 5 h 57 min
